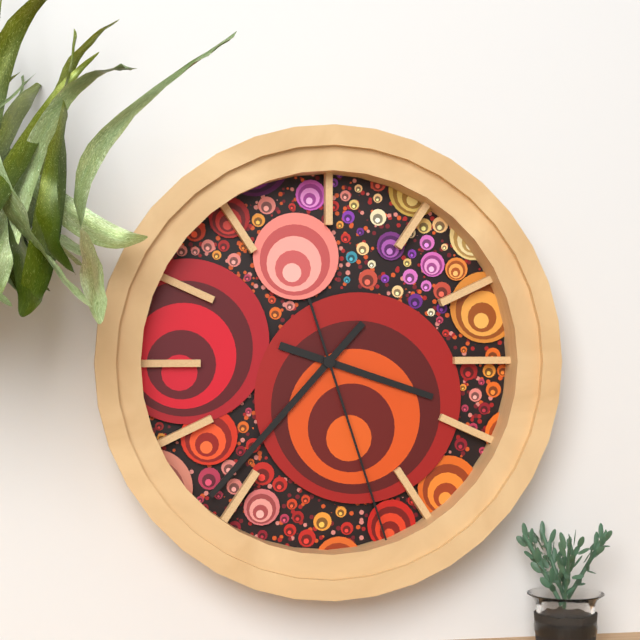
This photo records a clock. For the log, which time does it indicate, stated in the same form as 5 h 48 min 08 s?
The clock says 3 h 37 min 27 s
